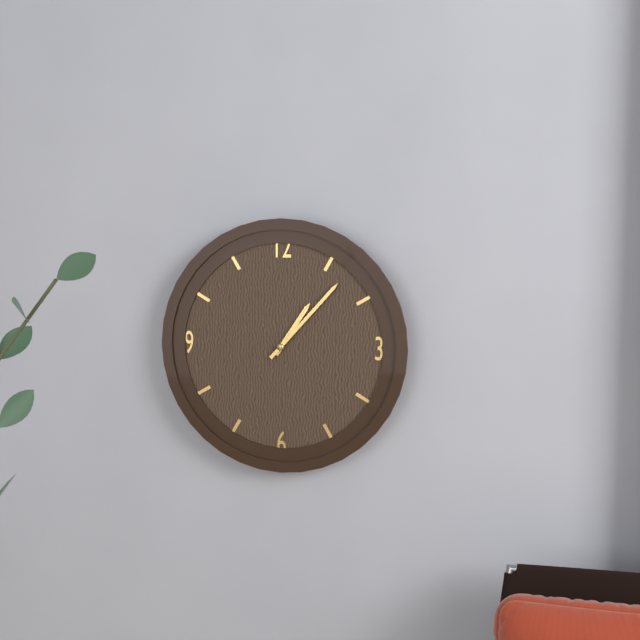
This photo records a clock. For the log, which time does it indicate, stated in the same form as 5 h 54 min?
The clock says 1 h 07 min
